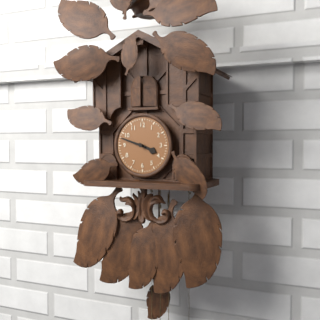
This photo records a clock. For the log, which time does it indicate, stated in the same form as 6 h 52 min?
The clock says 3 h 48 min
